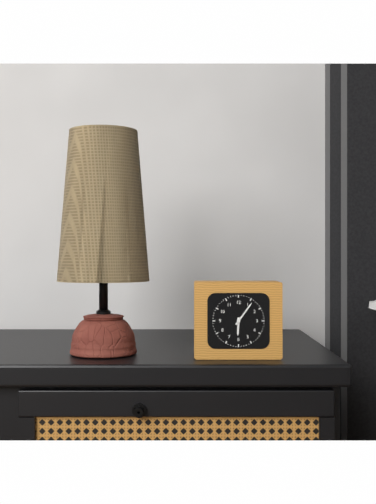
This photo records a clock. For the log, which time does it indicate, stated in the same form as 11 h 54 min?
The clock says 6 h 06 min
